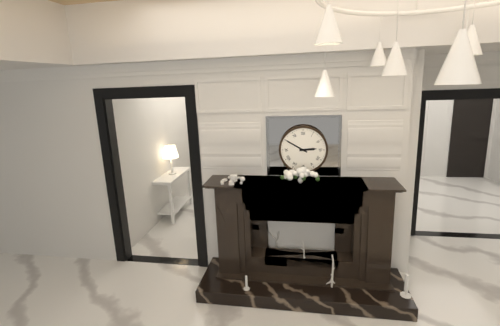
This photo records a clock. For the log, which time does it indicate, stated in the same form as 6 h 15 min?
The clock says 2 h 50 min
